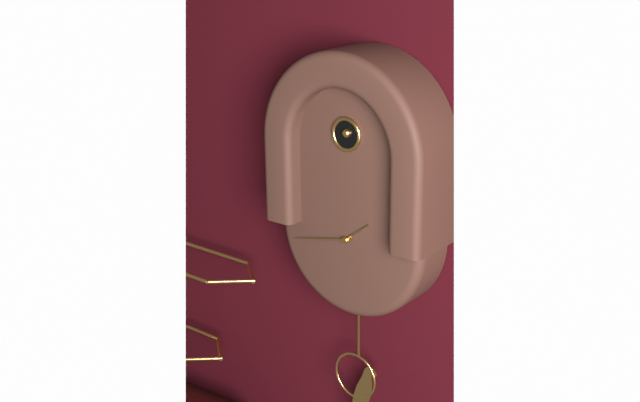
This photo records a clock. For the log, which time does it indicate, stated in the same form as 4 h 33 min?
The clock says 1 h 43 min
